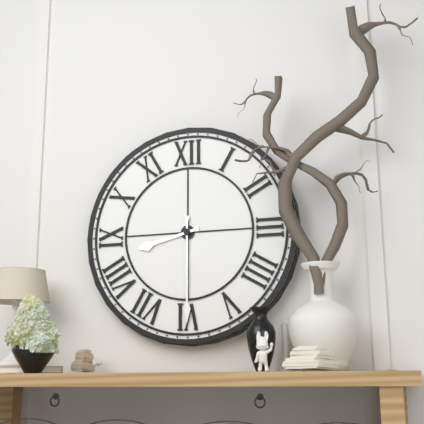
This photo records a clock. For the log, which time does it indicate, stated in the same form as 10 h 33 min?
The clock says 8 h 30 min
